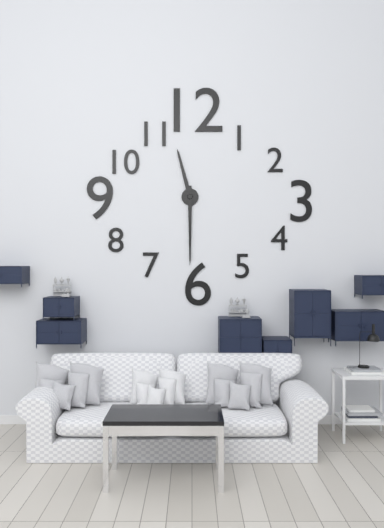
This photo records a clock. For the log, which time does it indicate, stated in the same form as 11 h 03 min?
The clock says 11 h 30 min
